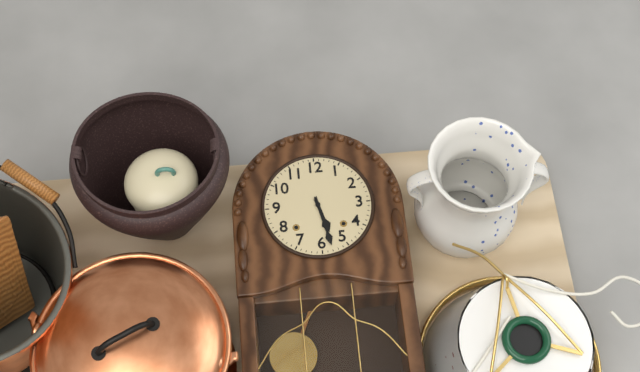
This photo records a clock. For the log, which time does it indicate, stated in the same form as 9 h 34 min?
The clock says 5 h 28 min
